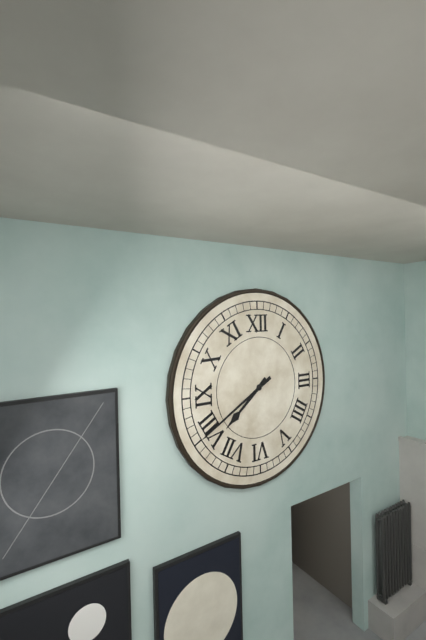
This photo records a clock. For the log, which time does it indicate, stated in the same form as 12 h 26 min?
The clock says 7 h 40 min
